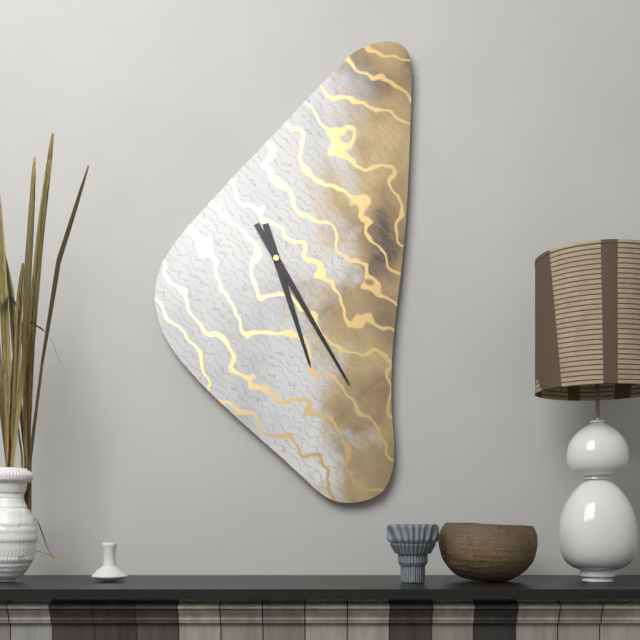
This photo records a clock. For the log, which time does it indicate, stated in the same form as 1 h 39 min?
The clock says 5 h 25 min
